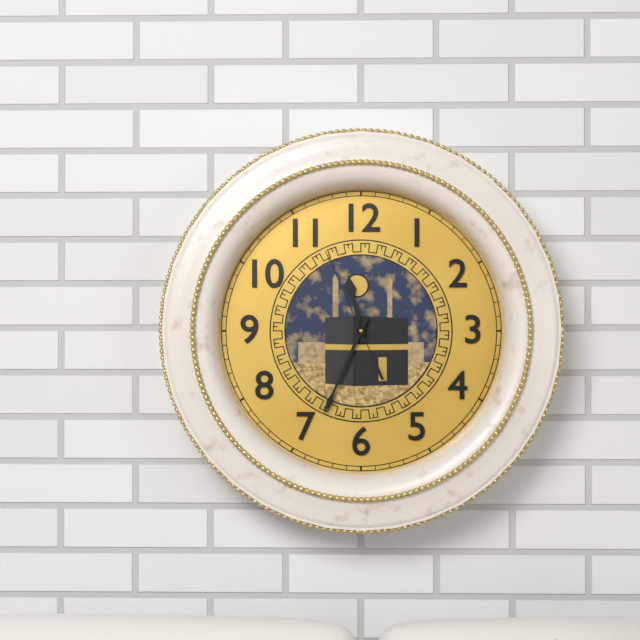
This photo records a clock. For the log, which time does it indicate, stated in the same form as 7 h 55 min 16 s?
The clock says 11 h 34 min 56 s
